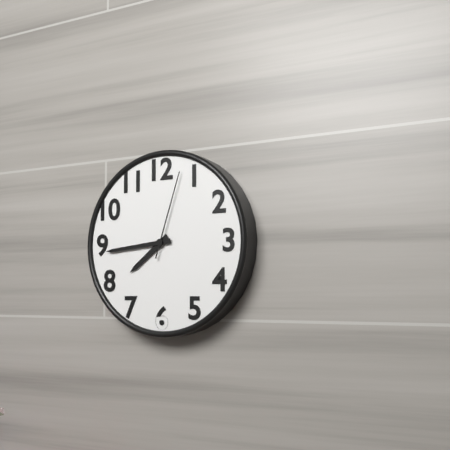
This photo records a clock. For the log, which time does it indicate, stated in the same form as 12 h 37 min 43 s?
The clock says 7 h 44 min 03 s
